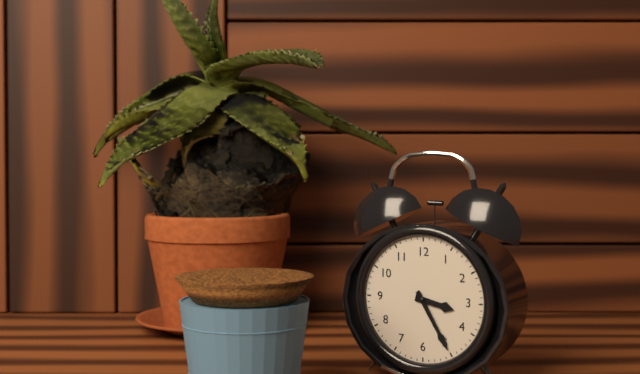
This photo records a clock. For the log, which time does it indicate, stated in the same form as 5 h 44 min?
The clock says 3 h 25 min
